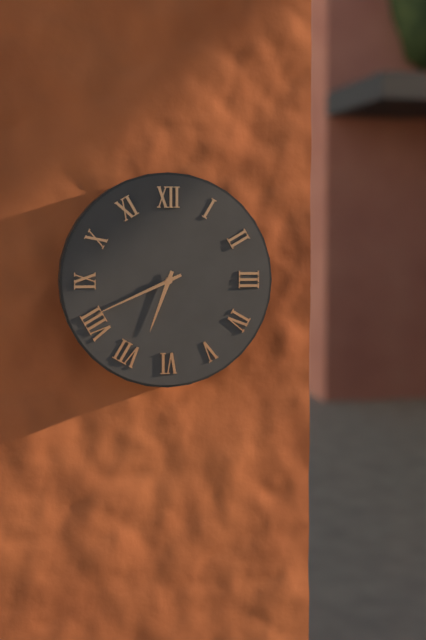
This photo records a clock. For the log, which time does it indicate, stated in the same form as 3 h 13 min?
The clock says 6 h 41 min
